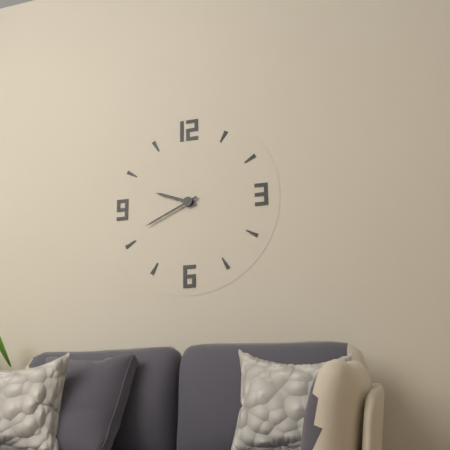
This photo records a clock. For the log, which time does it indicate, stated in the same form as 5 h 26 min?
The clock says 9 h 41 min
